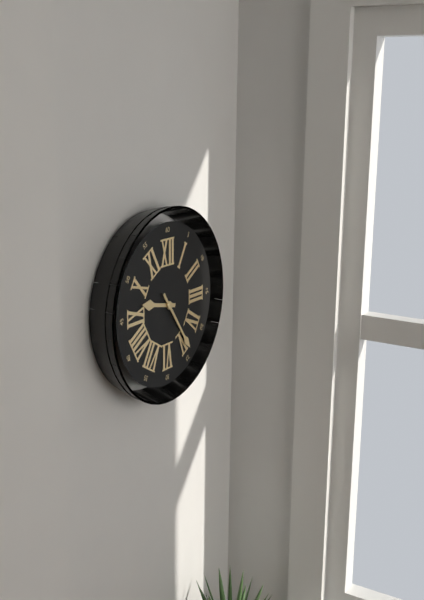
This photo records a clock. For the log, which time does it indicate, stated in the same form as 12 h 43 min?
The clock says 9 h 24 min
